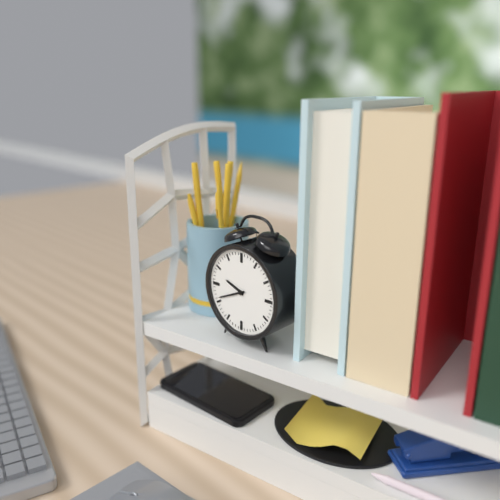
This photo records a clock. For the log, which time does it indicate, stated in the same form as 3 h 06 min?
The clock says 9 h 41 min
